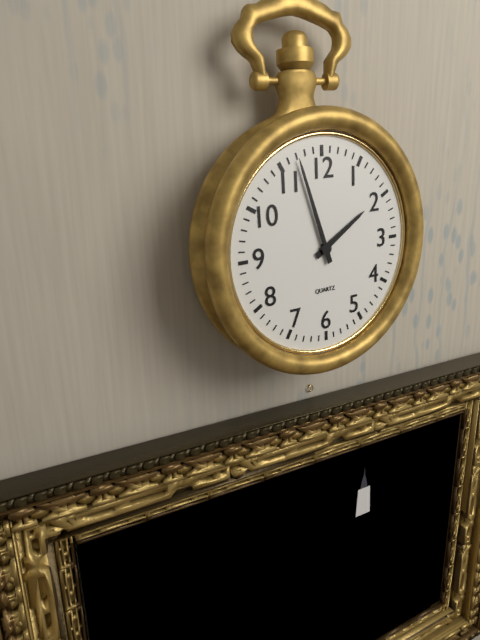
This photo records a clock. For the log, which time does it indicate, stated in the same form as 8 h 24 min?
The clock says 1 h 57 min
